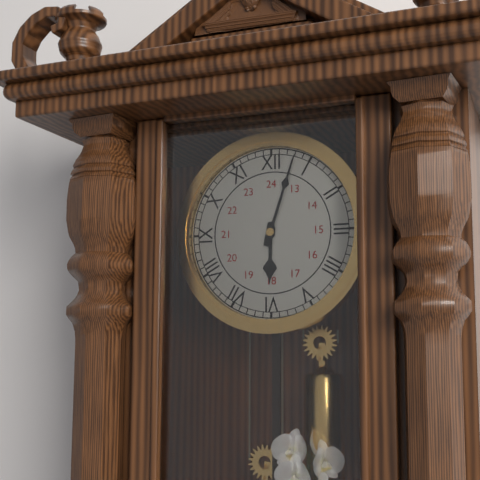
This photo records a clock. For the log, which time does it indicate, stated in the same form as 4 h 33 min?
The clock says 6 h 03 min
